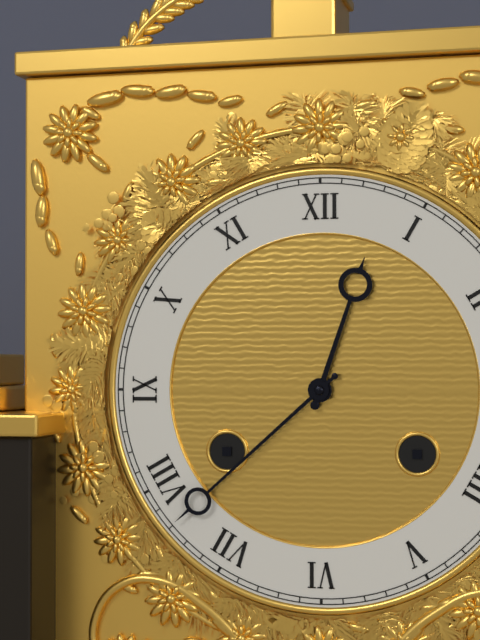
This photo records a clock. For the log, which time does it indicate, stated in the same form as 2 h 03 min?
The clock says 12 h 38 min
